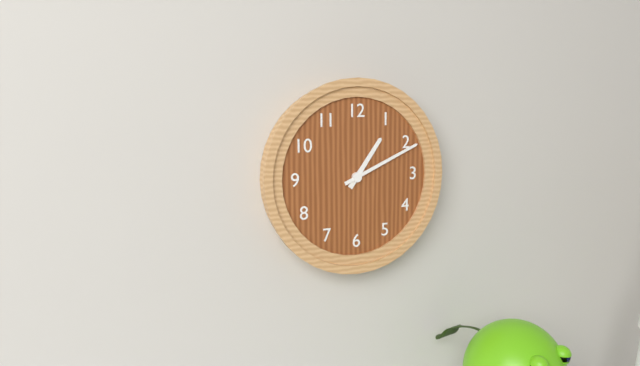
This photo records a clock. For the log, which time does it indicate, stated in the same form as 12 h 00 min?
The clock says 1 h 11 min
